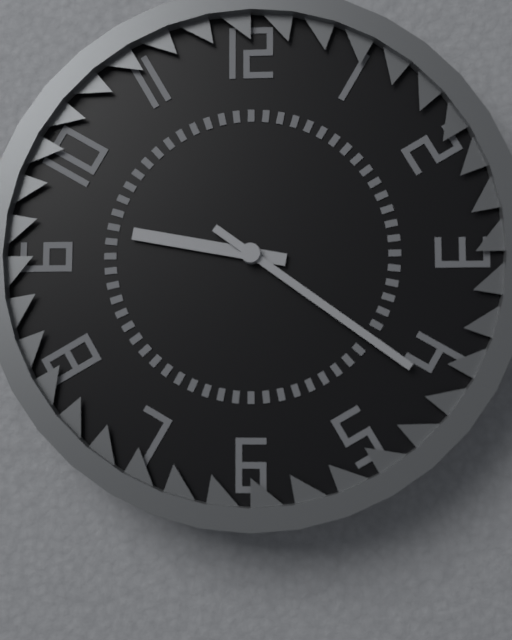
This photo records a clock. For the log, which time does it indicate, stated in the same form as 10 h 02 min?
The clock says 9 h 21 min
